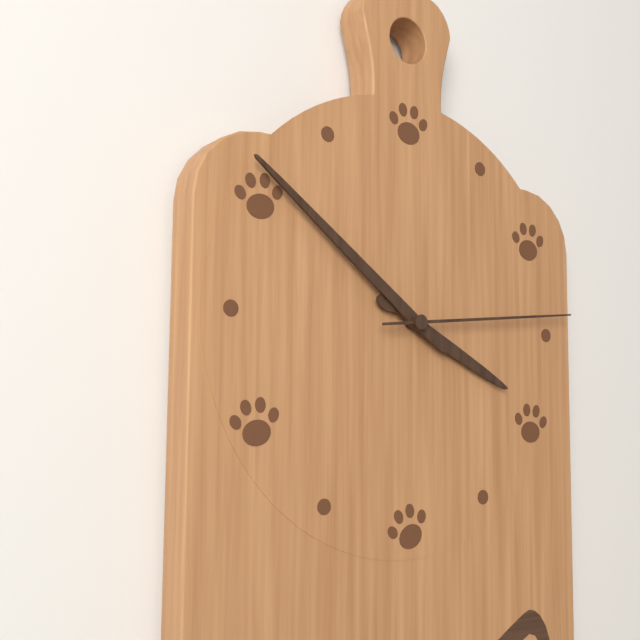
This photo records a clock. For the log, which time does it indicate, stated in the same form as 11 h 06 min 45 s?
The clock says 3 h 51 min 14 s
